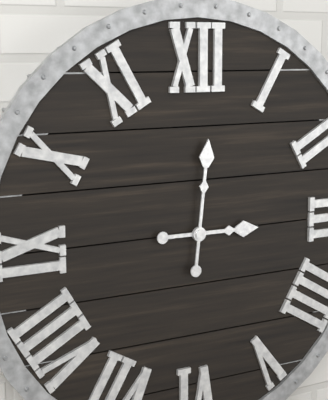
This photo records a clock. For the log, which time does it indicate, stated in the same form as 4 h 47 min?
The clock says 3 h 01 min
